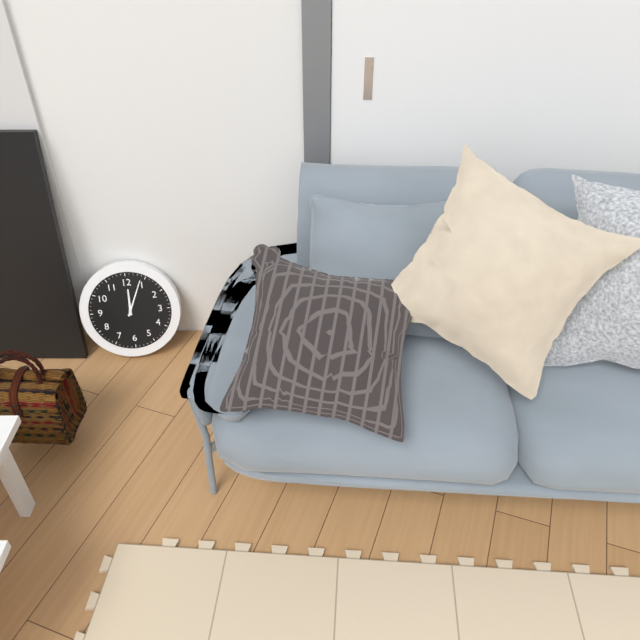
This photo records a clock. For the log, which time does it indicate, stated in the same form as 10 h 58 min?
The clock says 12 h 04 min
